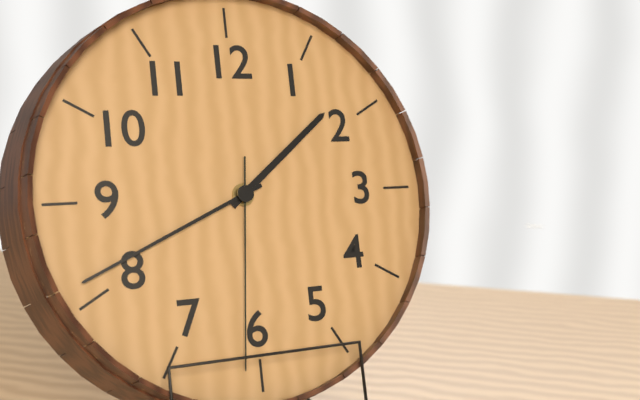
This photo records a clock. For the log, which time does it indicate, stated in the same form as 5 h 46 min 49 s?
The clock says 1 h 41 min 31 s
